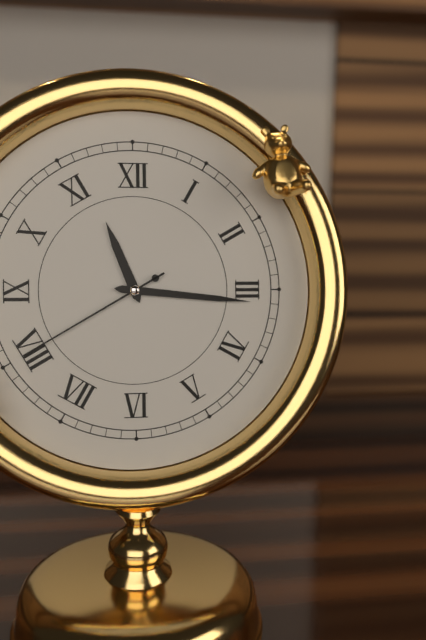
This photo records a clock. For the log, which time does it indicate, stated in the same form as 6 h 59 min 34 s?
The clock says 11 h 16 min 40 s
